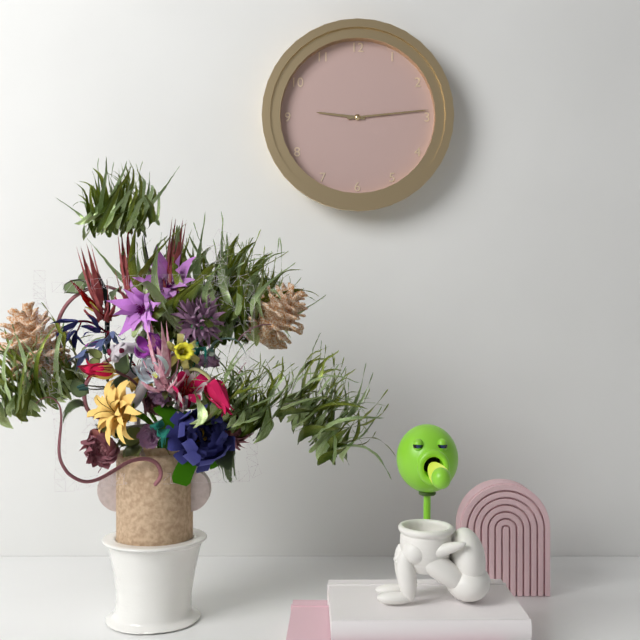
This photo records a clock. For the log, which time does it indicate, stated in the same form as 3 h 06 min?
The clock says 9 h 14 min
